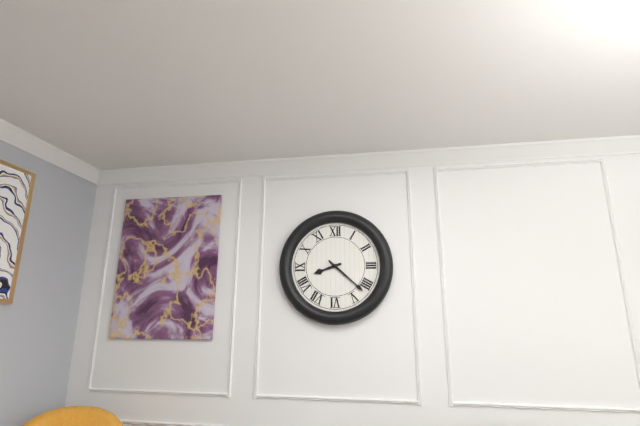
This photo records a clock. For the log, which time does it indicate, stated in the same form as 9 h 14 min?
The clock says 8 h 22 min
